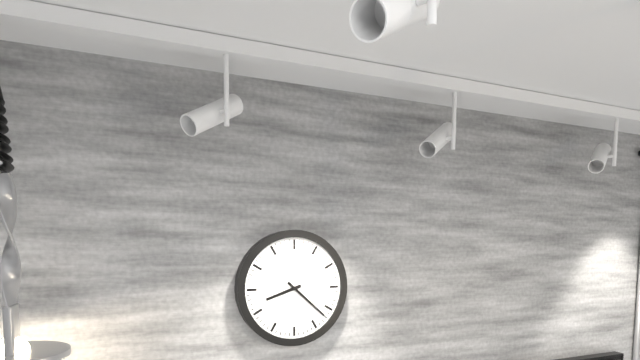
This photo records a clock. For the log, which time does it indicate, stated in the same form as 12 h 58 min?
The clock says 8 h 22 min
